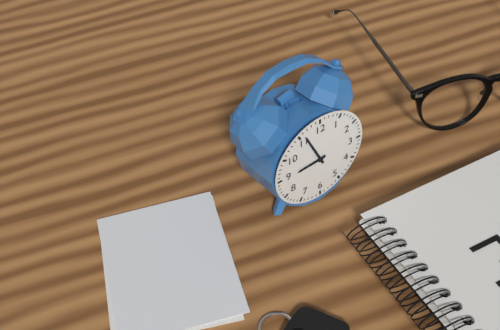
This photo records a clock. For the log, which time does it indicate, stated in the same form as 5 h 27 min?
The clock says 8 h 56 min
